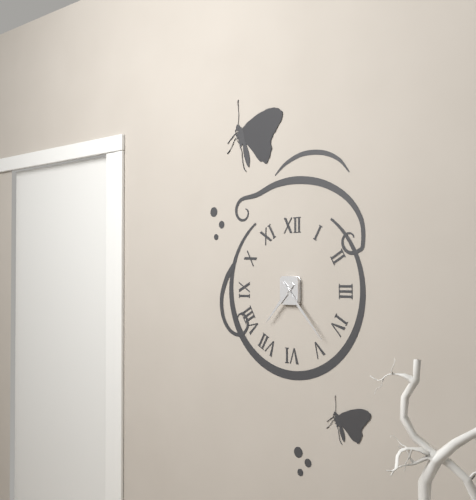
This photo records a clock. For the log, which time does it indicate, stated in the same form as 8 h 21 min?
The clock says 7 h 23 min
